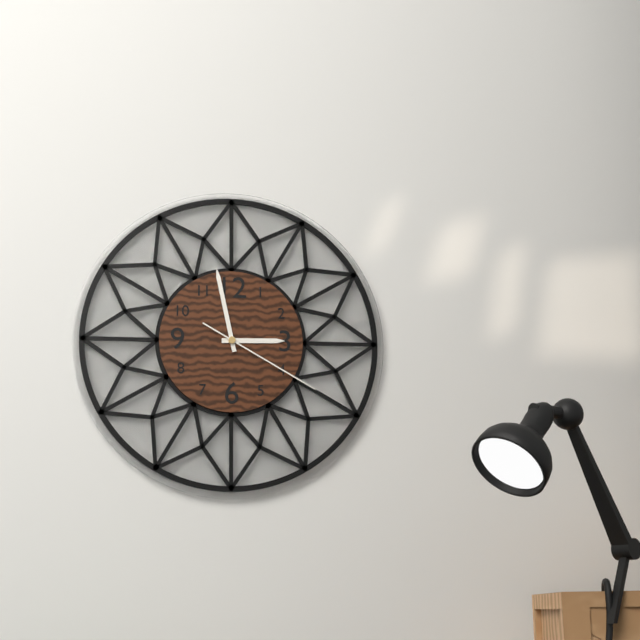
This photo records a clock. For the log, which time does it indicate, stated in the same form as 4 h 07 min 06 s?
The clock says 2 h 58 min 20 s
